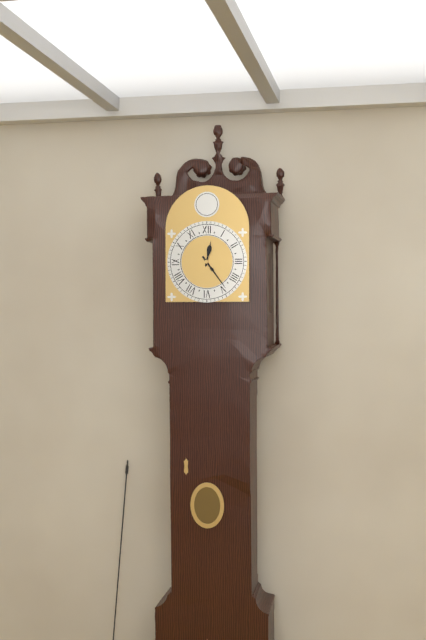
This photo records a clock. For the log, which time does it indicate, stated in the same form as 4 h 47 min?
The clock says 12 h 24 min
